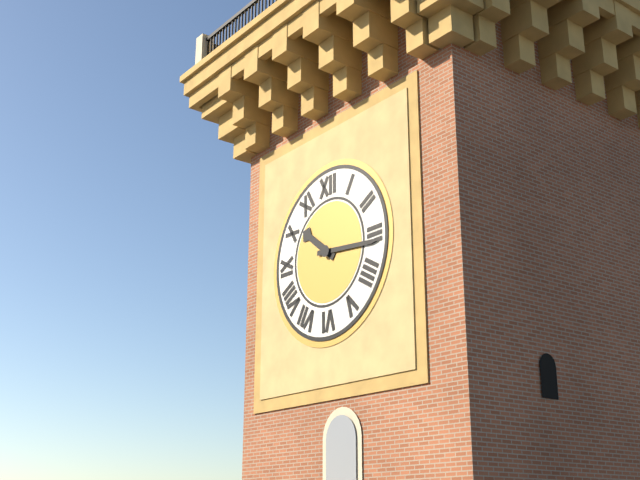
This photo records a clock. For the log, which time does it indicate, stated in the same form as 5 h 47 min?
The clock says 10 h 16 min
